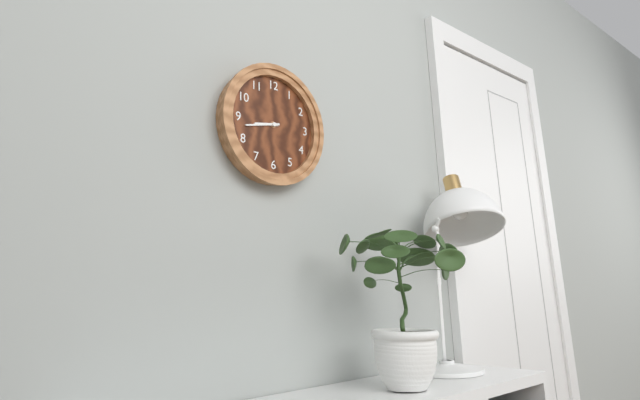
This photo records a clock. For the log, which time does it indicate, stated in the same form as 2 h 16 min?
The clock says 8 h 43 min
